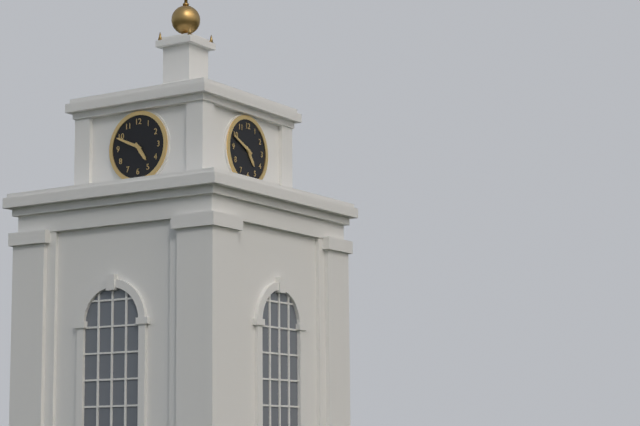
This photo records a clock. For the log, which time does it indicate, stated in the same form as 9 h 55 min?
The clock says 4 h 49 min
